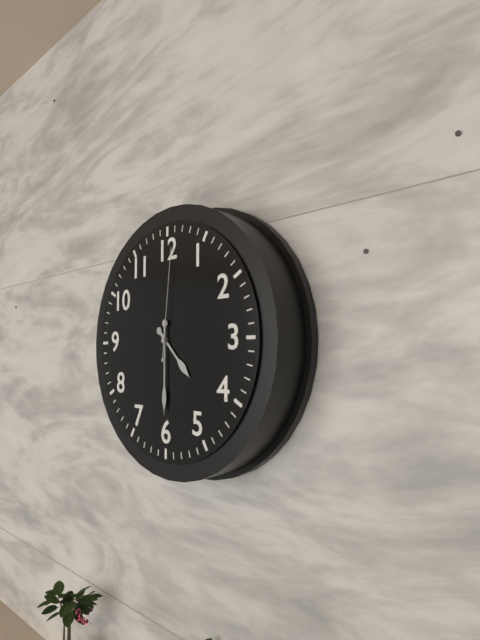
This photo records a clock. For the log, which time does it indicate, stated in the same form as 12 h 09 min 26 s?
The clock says 4 h 30 min 01 s
